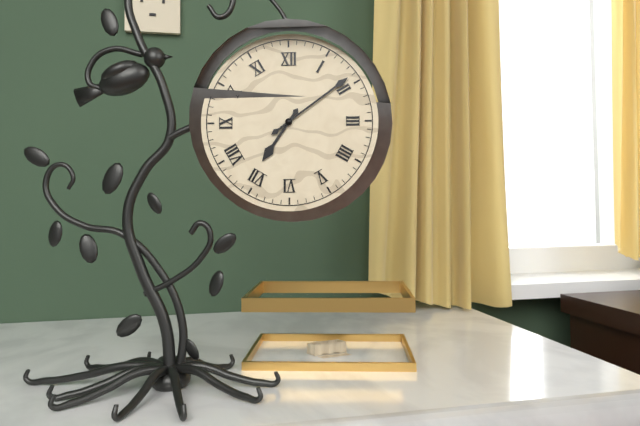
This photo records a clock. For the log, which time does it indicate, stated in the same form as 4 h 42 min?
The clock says 7 h 09 min
